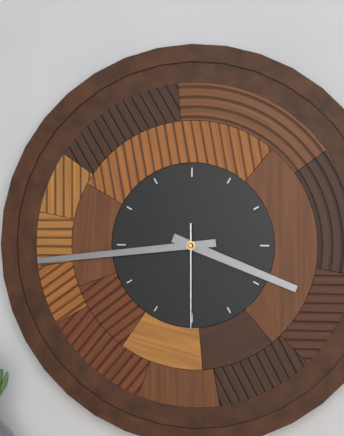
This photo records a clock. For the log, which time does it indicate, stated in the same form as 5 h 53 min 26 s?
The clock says 3 h 44 min 30 s
